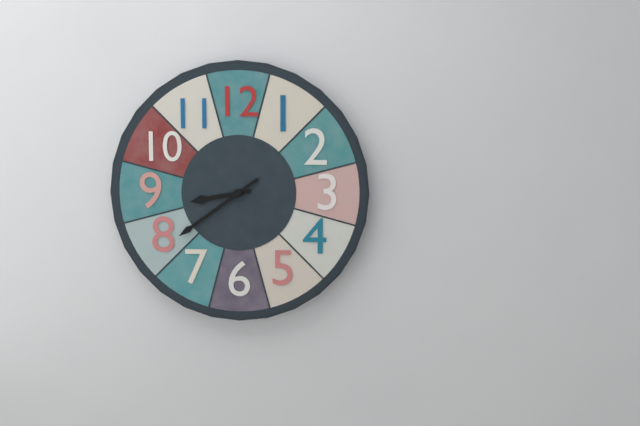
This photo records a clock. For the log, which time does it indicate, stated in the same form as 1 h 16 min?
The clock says 8 h 39 min
